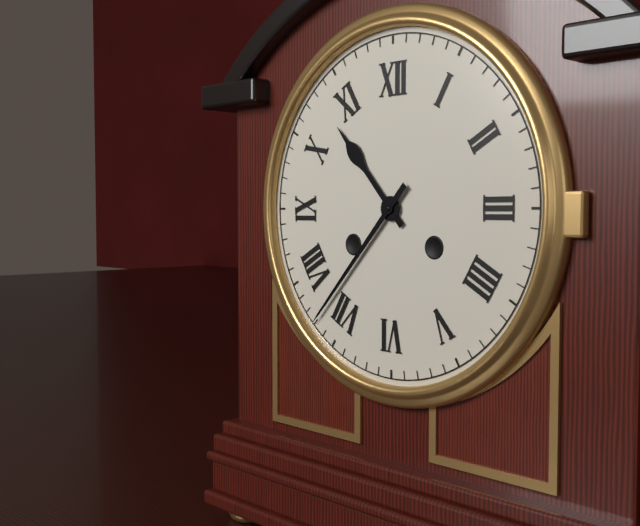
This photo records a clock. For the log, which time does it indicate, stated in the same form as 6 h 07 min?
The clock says 10 h 37 min
